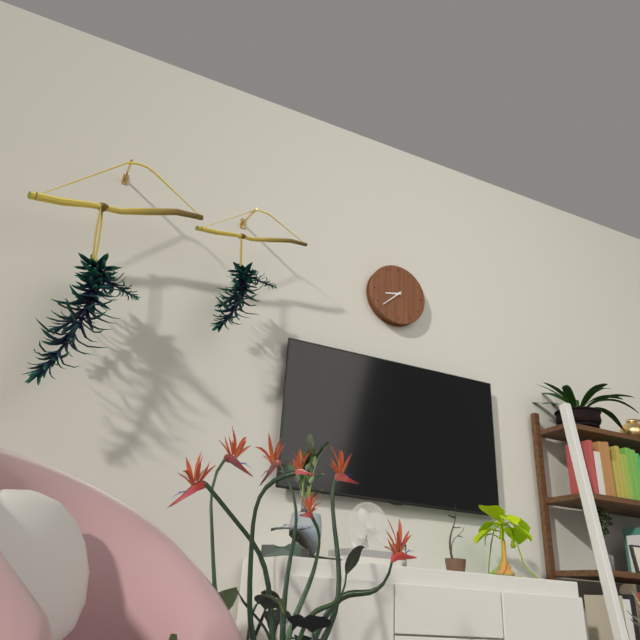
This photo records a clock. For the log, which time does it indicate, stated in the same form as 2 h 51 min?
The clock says 8 h 38 min
